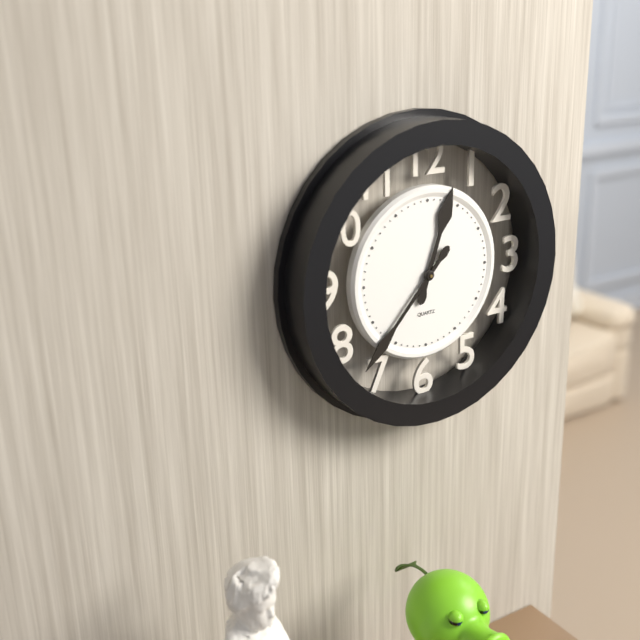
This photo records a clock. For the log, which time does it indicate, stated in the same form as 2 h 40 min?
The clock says 12 h 37 min
